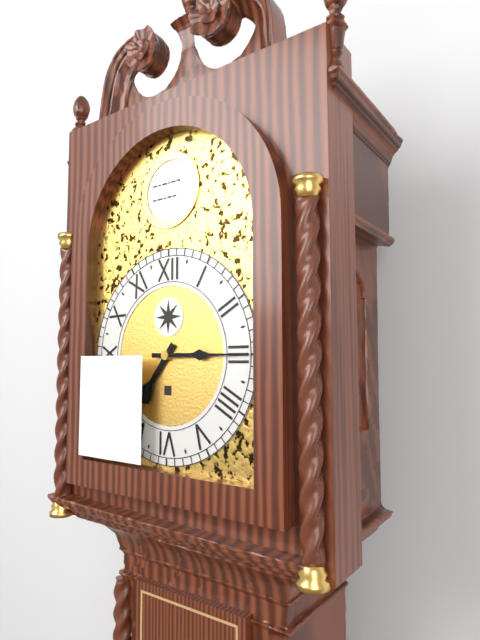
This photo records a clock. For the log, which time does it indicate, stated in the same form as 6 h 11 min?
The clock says 7 h 15 min
